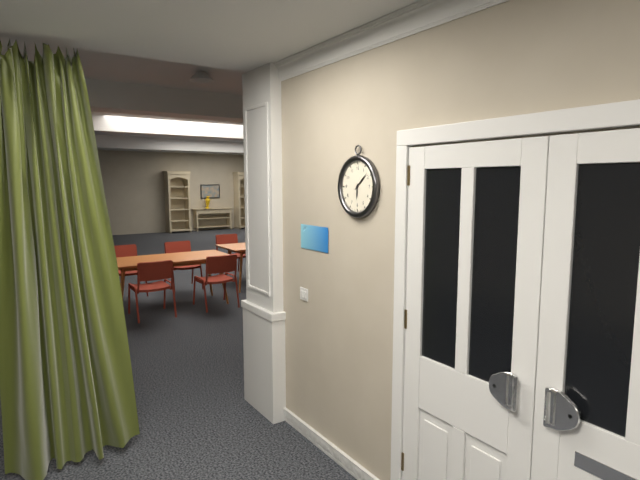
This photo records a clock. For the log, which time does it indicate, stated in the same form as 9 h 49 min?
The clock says 6 h 08 min
